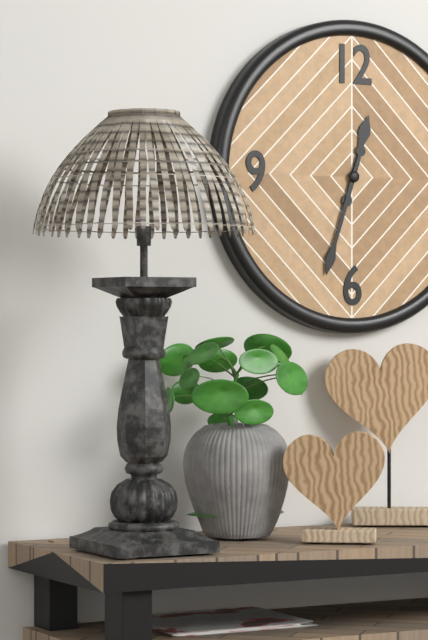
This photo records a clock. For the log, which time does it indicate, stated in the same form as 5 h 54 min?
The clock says 12 h 33 min
